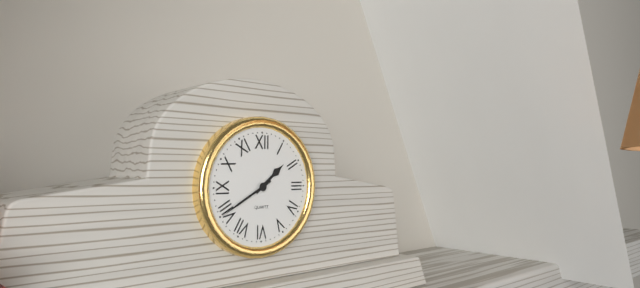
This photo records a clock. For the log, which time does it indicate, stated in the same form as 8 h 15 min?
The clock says 1 h 40 min
